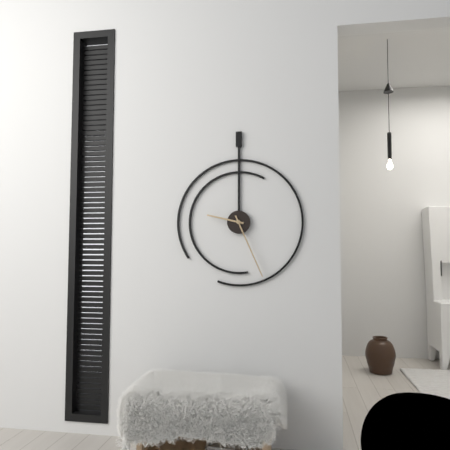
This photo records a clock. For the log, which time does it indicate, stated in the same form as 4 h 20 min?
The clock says 9 h 26 min
